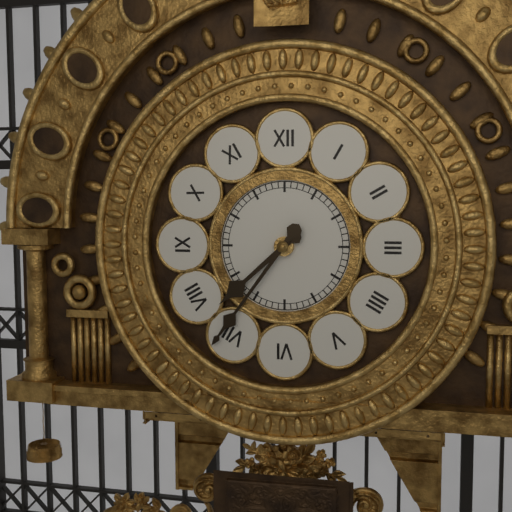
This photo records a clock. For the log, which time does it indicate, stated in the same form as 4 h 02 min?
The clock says 7 h 36 min
